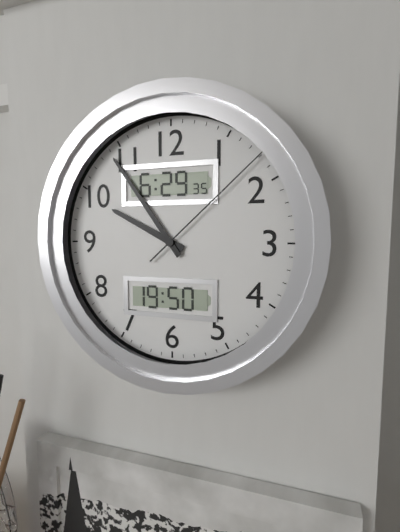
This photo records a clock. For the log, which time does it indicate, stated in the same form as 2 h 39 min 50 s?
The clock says 9 h 54 min 08 s
